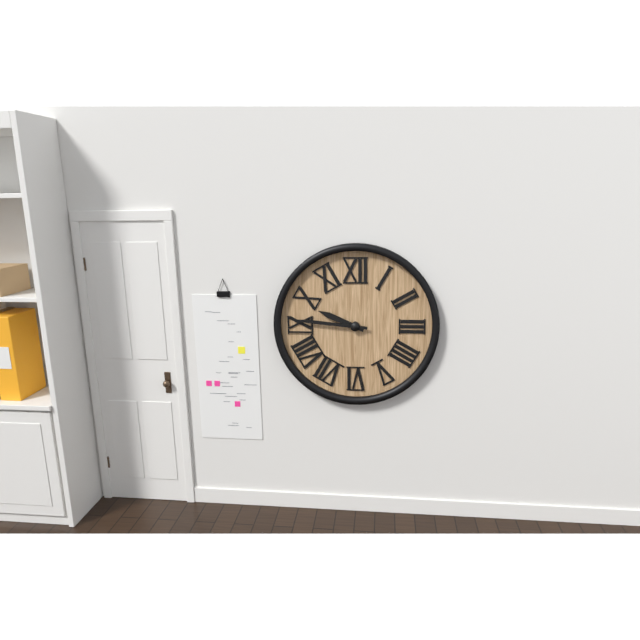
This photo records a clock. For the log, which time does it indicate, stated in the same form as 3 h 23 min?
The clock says 9 h 46 min
